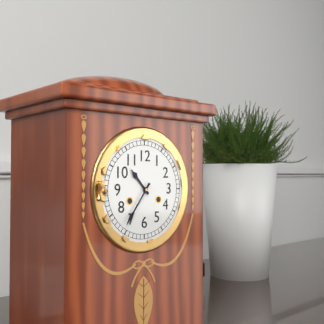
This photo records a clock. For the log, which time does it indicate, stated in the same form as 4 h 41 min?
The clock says 10 h 36 min
